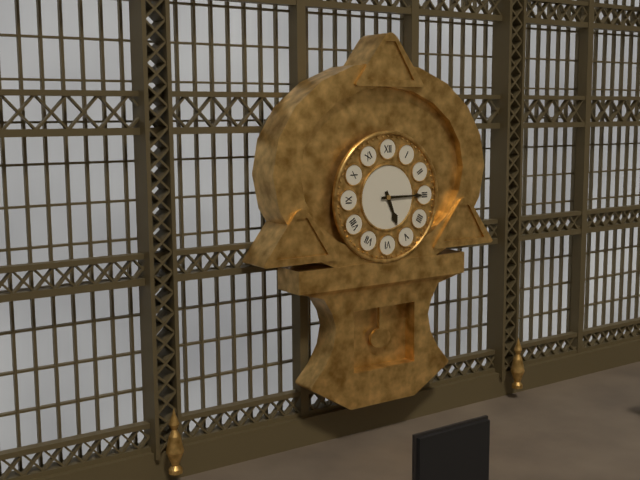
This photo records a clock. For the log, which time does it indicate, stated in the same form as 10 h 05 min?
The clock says 5 h 15 min
